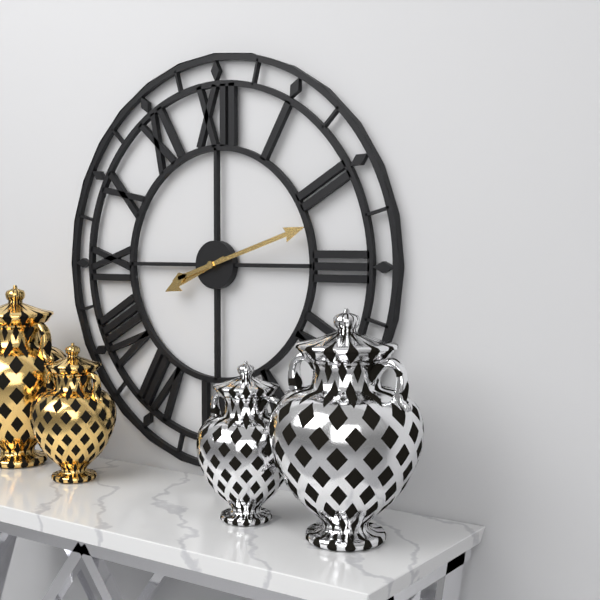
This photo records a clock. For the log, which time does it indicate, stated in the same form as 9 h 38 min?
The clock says 8 h 12 min
